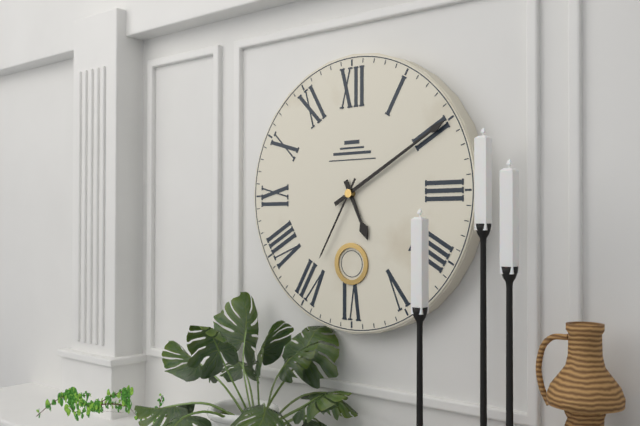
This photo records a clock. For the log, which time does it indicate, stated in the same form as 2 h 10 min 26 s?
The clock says 5 h 10 min 35 s
